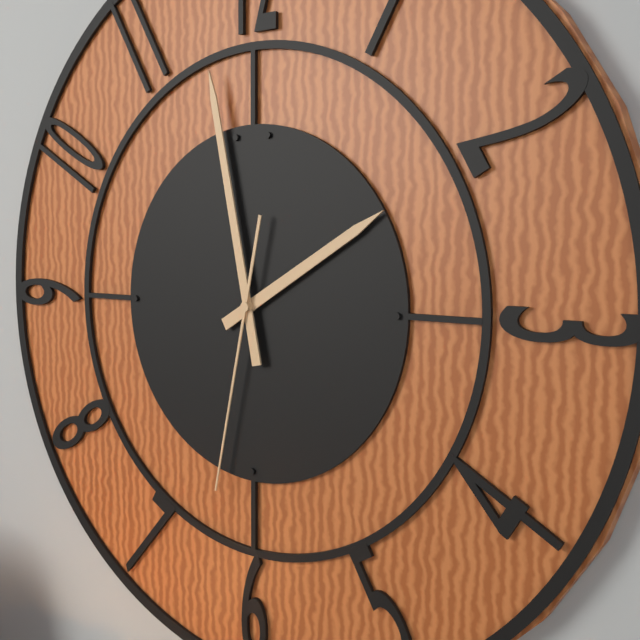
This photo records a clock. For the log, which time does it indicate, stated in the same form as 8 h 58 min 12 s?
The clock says 1 h 58 min 32 s
